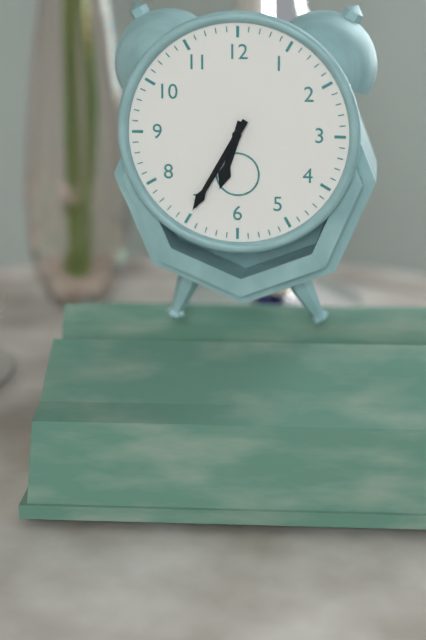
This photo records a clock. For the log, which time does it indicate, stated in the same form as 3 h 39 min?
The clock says 6 h 35 min
